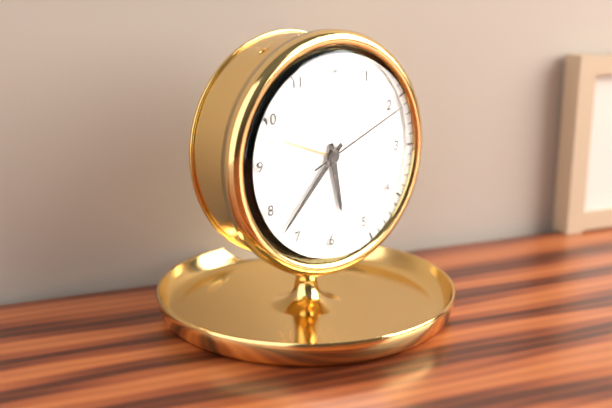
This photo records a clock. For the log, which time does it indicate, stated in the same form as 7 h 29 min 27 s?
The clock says 5 h 37 min 11 s
